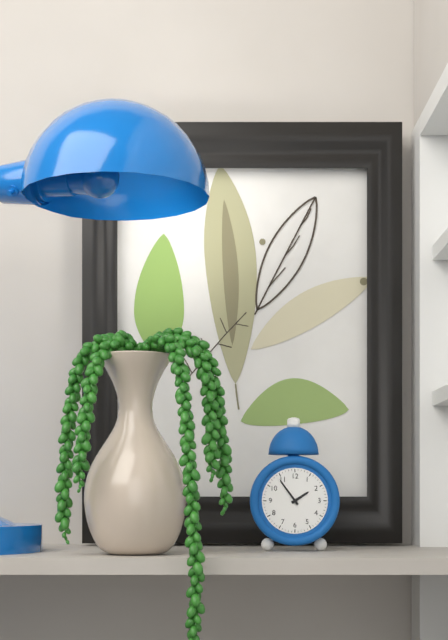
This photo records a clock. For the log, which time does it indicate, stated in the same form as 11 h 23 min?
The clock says 1 h 54 min
